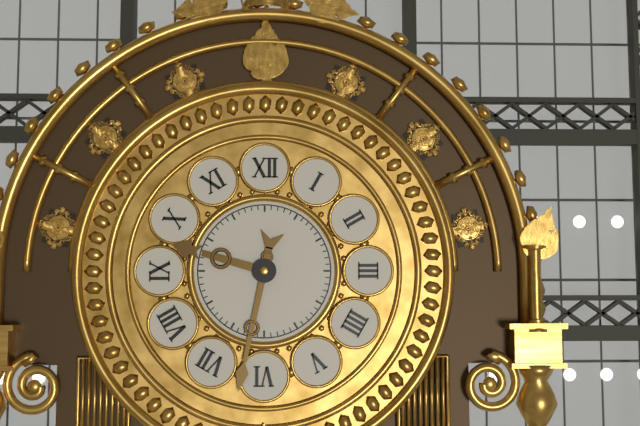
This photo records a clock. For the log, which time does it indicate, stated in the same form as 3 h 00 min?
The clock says 9 h 32 min
